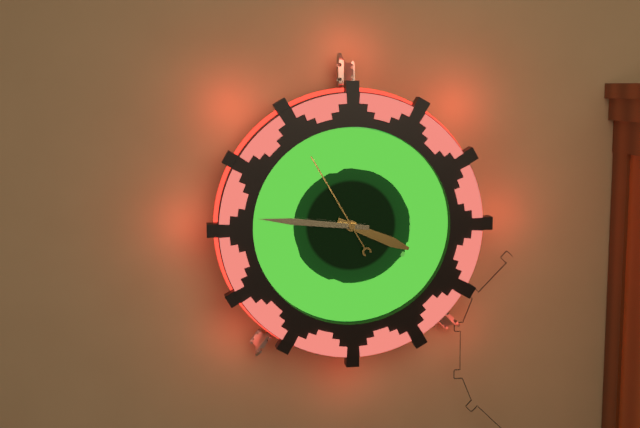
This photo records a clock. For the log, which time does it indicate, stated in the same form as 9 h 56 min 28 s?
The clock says 3 h 46 min 55 s
